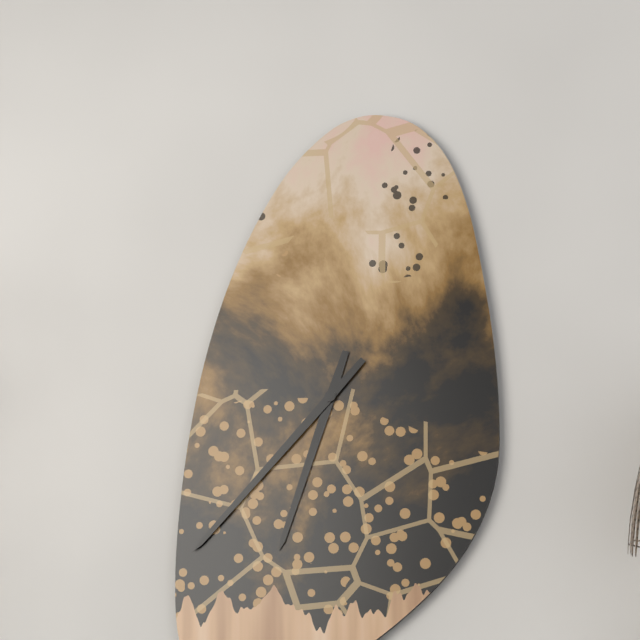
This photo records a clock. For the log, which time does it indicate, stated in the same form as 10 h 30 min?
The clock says 6 h 37 min
